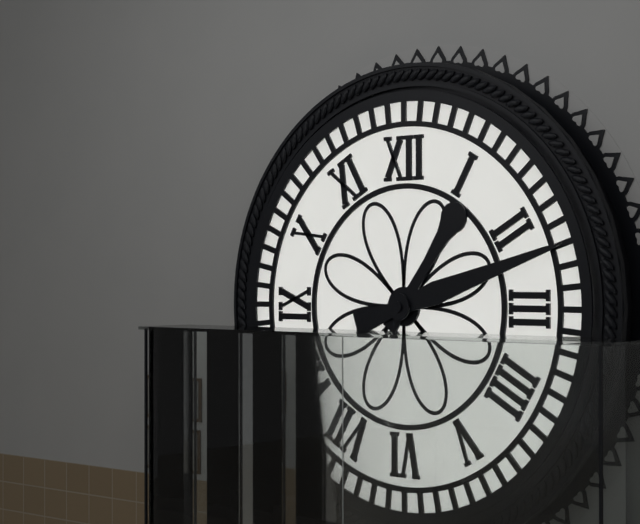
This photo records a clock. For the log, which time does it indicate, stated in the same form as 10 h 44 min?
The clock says 1 h 12 min
